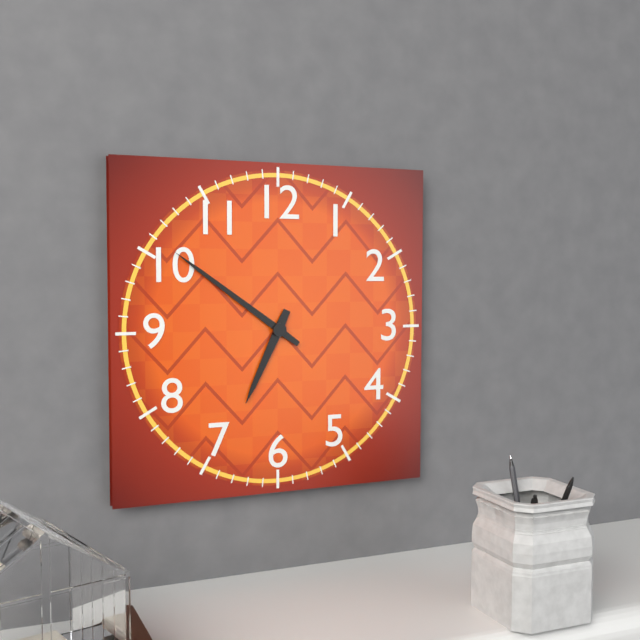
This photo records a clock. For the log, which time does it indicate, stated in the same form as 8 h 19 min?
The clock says 6 h 51 min
